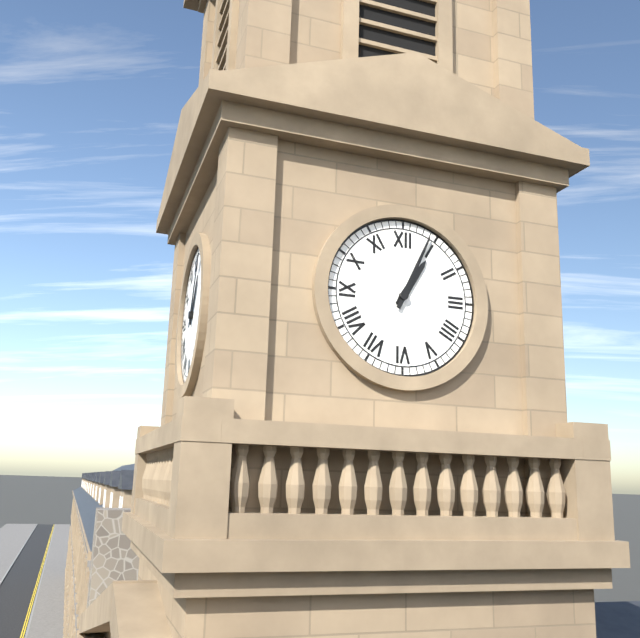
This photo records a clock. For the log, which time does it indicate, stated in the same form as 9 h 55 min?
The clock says 1 h 04 min
